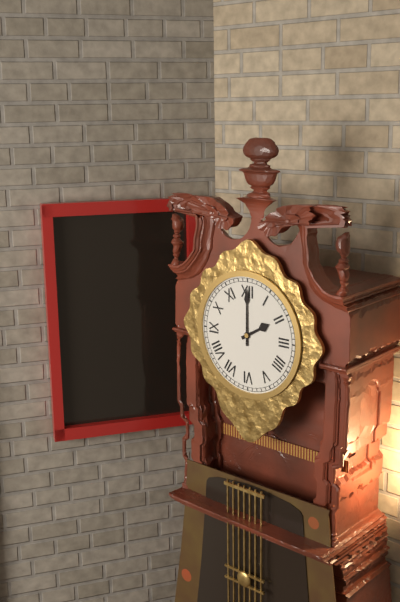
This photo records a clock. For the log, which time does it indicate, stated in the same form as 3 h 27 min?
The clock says 2 h 00 min
